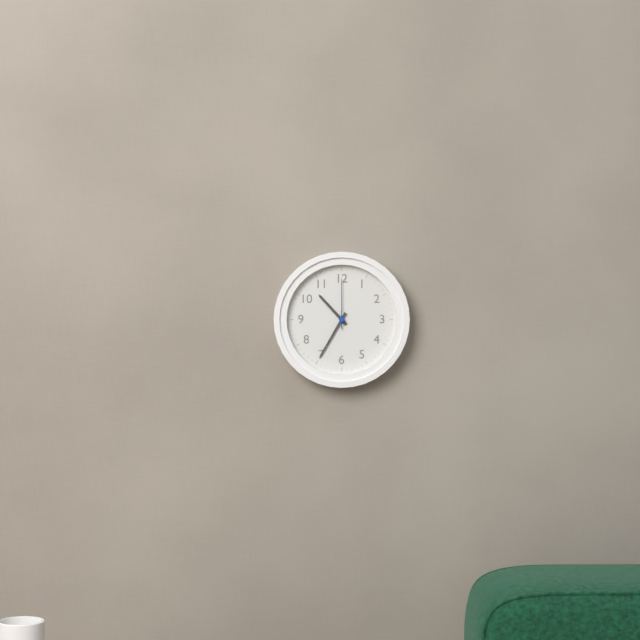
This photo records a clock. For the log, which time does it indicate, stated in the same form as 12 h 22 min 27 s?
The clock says 10 h 35 min 00 s
